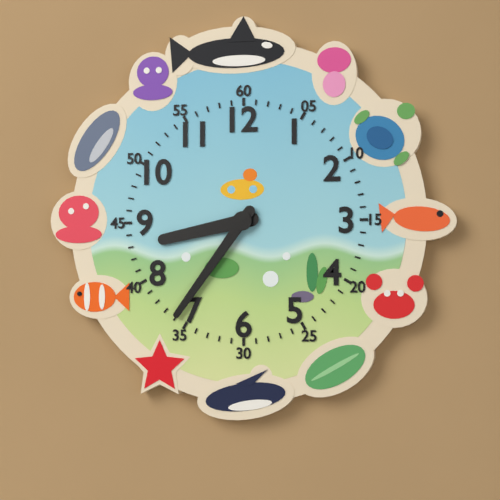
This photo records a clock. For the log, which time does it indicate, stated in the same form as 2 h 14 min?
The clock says 8 h 36 min
